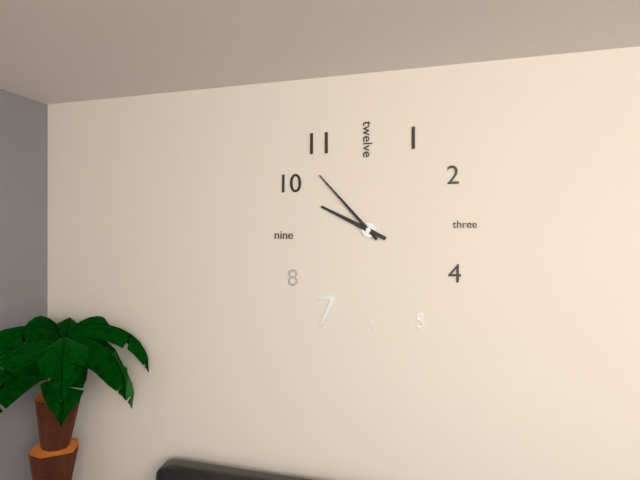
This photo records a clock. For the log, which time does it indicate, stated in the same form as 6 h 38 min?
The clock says 9 h 53 min
